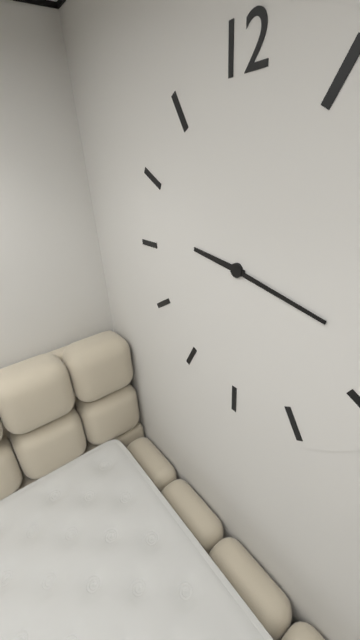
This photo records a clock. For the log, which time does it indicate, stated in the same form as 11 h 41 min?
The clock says 9 h 17 min
